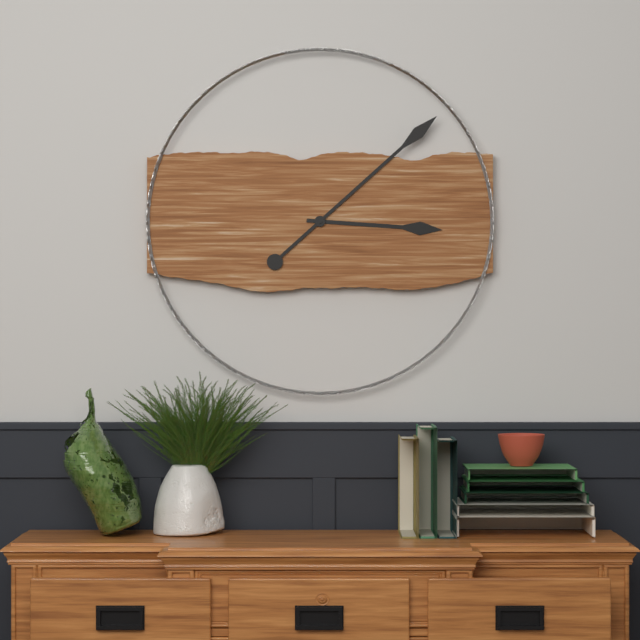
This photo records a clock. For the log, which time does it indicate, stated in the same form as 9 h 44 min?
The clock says 3 h 08 min
